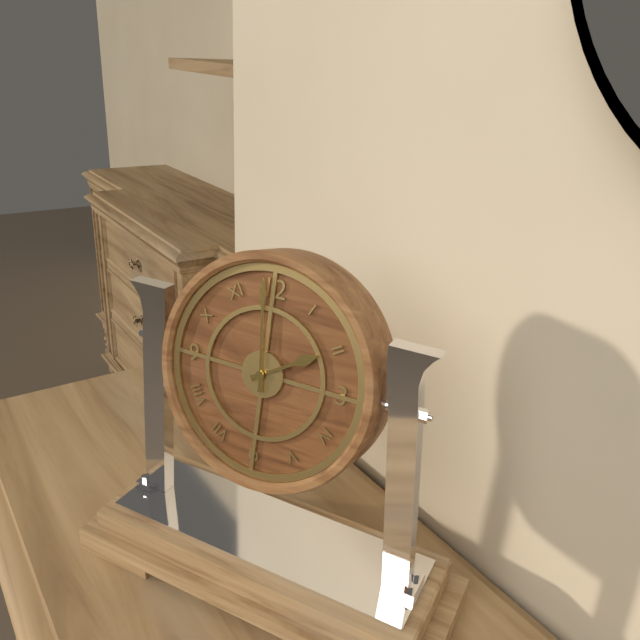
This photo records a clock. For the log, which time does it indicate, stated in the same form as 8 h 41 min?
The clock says 1 h 59 min
